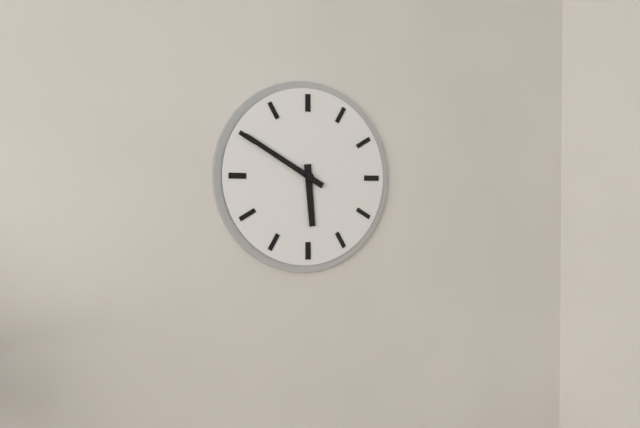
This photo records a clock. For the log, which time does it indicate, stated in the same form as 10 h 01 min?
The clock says 5 h 50 min
